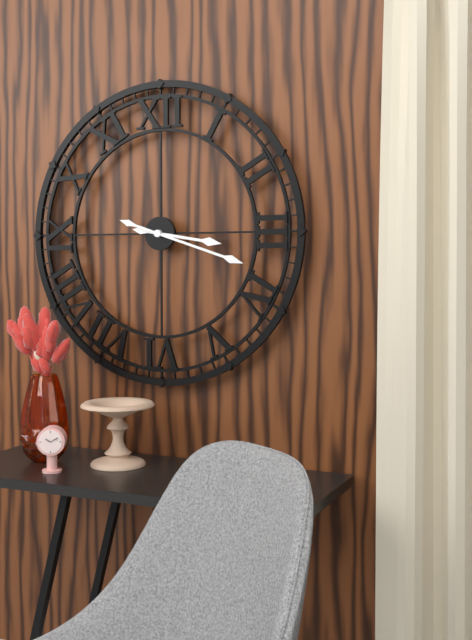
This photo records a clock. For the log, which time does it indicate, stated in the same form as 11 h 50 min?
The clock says 3 h 18 min
